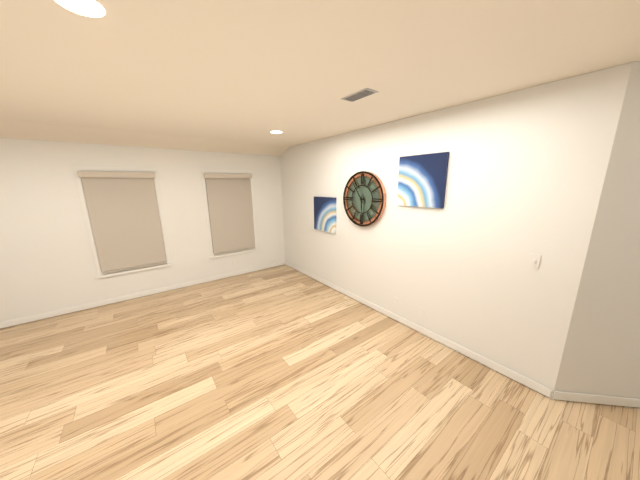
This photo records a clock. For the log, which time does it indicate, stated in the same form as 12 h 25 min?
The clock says 5 h 54 min
